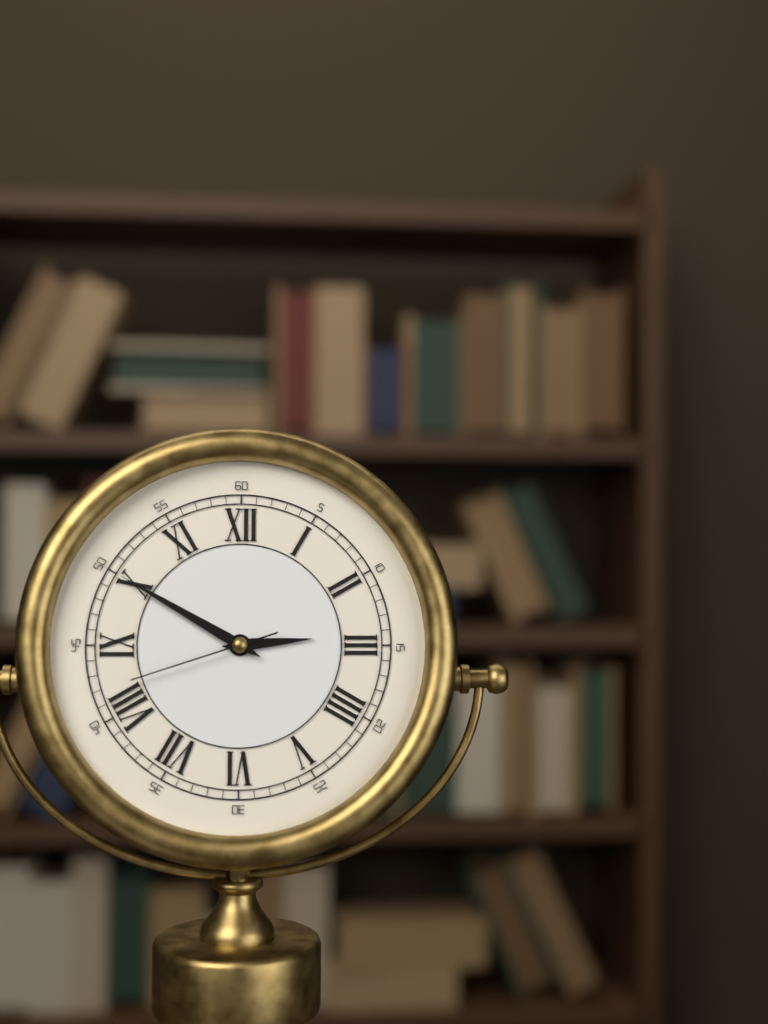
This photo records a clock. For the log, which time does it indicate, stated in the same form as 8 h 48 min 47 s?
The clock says 2 h 50 min 42 s
